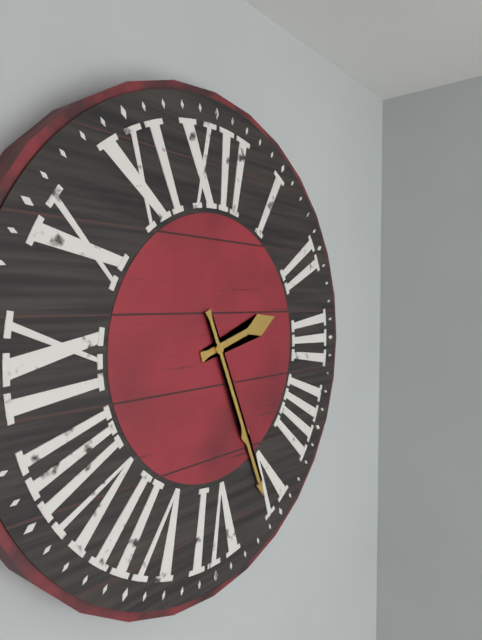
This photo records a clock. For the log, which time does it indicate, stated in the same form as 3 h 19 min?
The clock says 2 h 26 min
